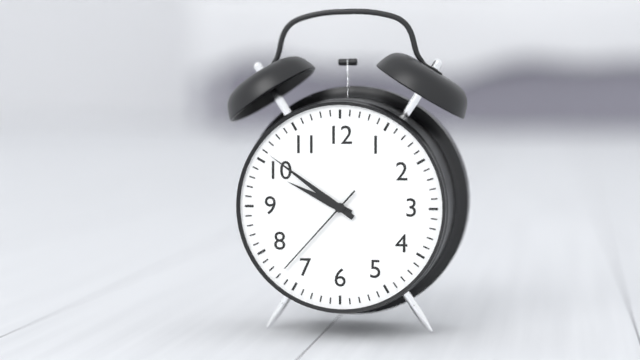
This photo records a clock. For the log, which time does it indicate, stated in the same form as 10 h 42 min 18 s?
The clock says 9 h 51 min 37 s
